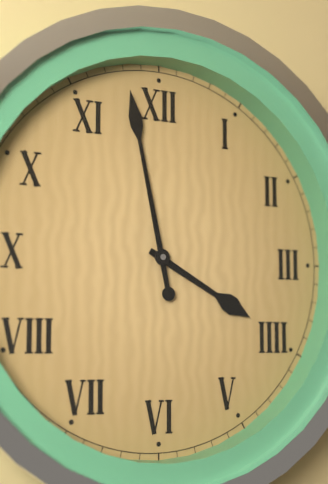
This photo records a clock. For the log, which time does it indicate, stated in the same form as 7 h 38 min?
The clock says 3 h 58 min
